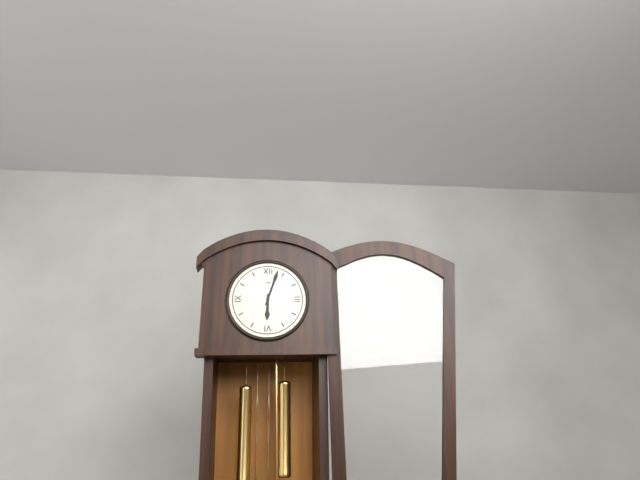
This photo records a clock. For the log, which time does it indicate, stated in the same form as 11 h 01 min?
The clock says 6 h 03 min
